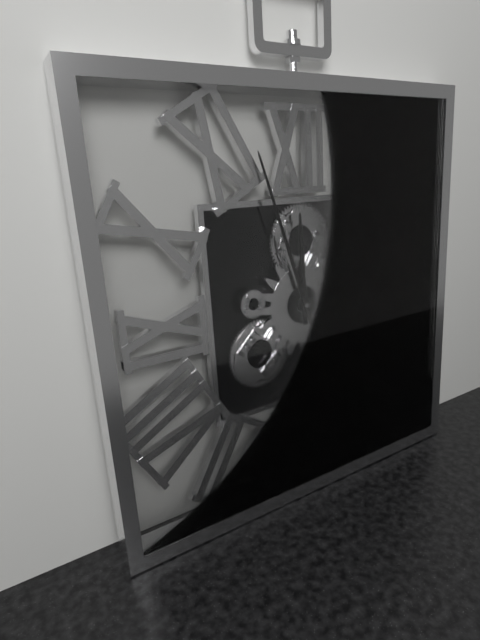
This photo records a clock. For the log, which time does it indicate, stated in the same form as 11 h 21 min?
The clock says 11 h 57 min
